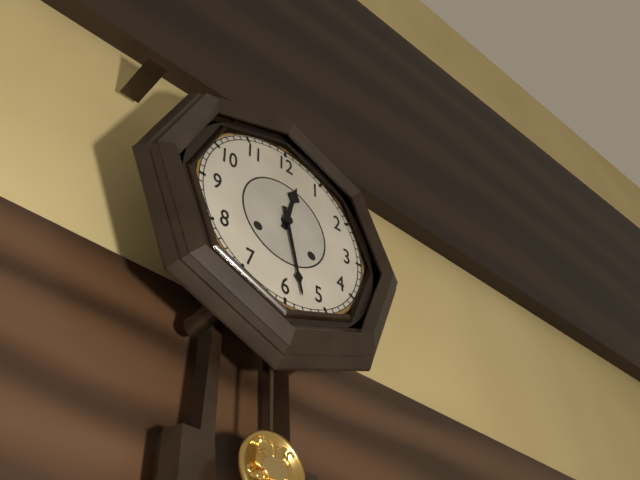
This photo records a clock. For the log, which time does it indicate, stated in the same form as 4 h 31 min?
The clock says 12 h 28 min
